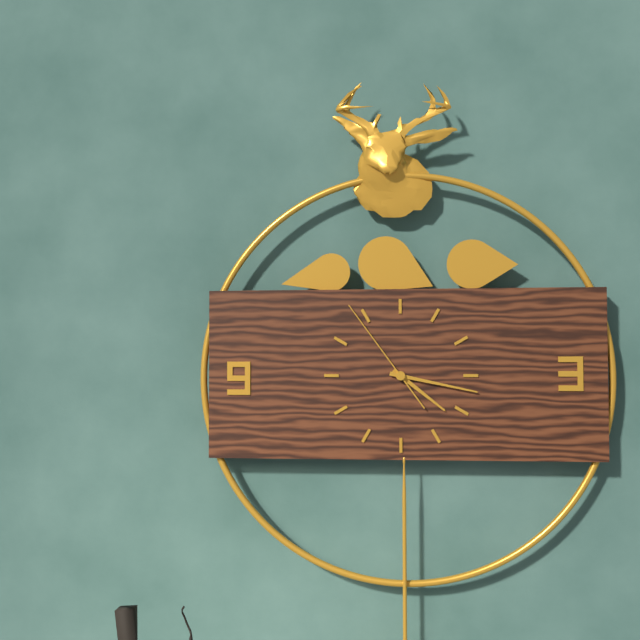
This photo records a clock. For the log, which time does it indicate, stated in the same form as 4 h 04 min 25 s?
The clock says 4 h 17 min 54 s
